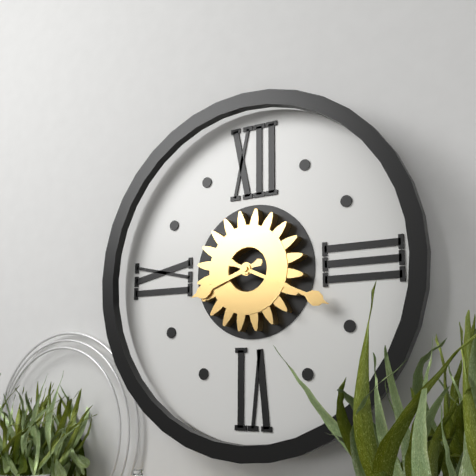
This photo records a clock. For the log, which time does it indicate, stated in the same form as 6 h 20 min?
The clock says 8 h 19 min
